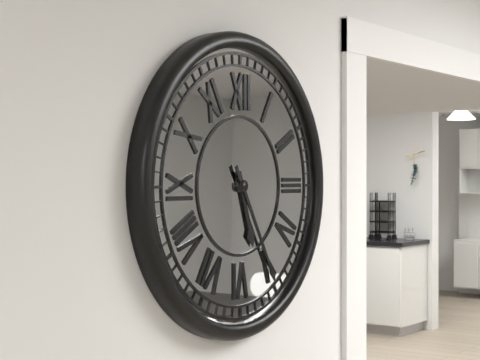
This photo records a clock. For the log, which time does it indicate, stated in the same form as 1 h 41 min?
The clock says 5 h 25 min
